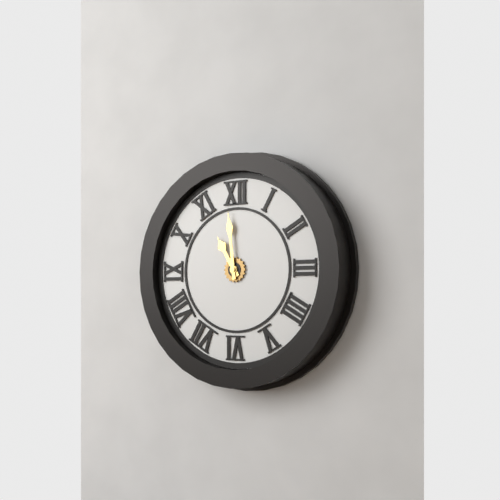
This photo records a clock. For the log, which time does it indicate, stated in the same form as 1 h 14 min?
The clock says 10 h 59 min
